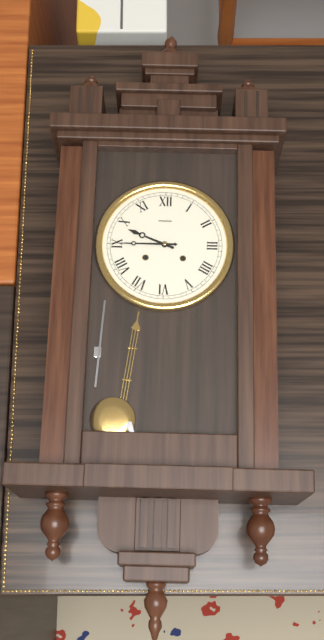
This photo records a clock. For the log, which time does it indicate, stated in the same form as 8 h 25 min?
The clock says 9 h 45 min
